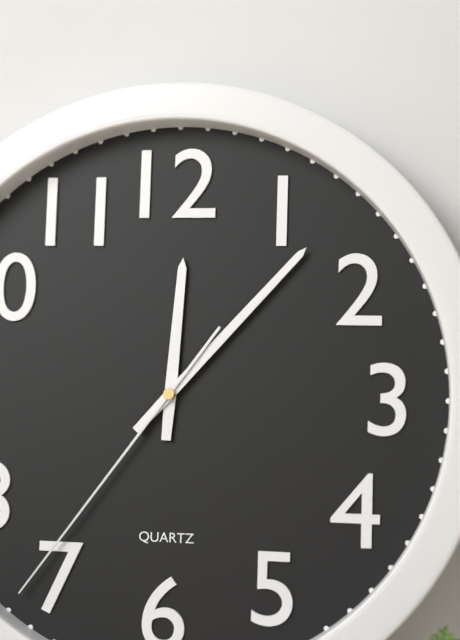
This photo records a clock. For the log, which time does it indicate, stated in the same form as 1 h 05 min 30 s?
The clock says 12 h 07 min 36 s
